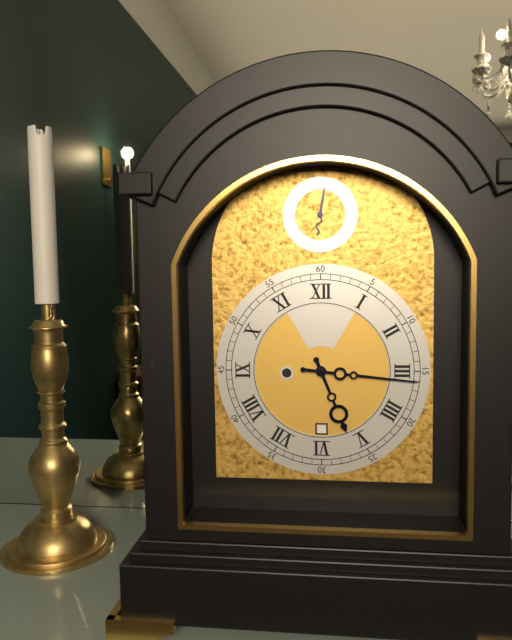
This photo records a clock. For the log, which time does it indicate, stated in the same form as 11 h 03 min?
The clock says 5 h 16 min
